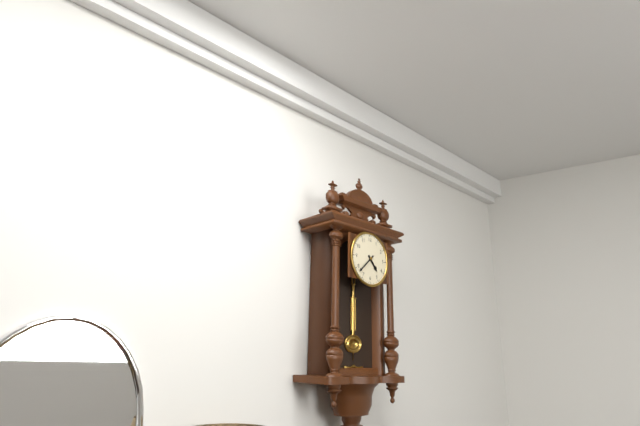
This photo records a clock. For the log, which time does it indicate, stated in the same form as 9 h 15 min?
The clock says 4 h 38 min
